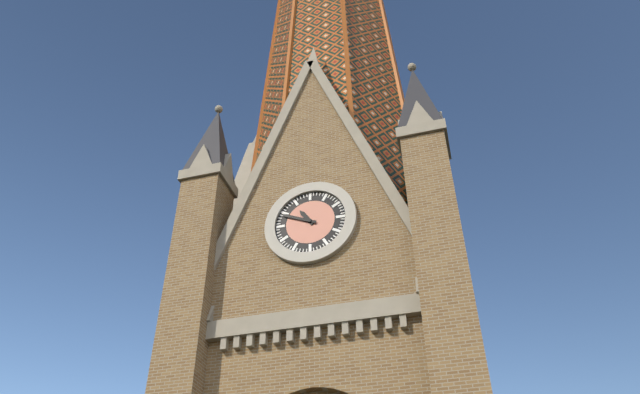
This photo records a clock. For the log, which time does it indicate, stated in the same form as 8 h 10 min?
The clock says 10 h 49 min
